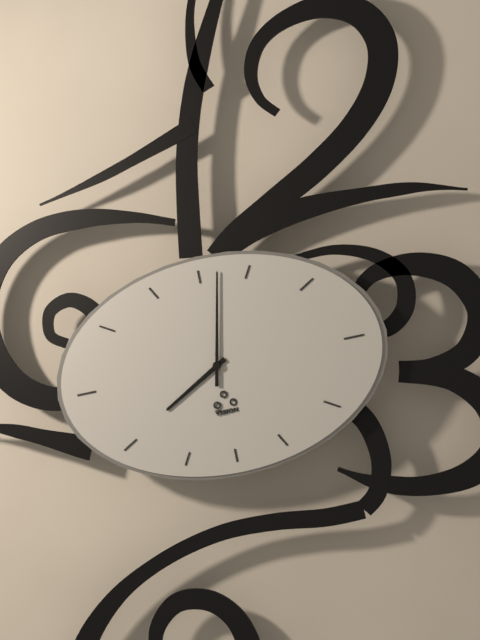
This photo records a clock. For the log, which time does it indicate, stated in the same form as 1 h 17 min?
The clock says 8 h 02 min
